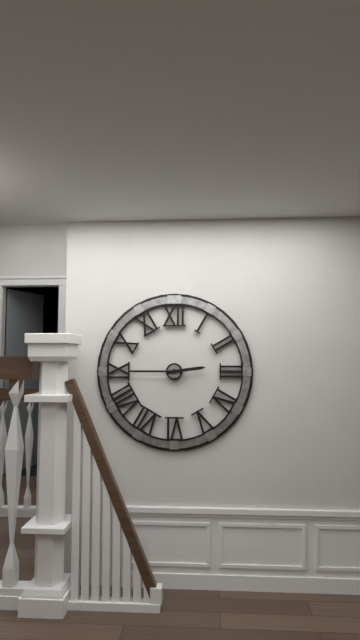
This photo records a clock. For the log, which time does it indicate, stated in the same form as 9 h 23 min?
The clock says 2 h 45 min
